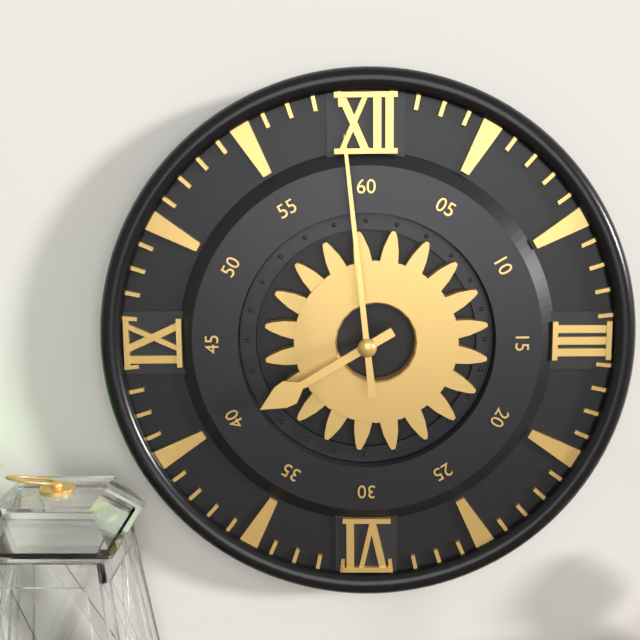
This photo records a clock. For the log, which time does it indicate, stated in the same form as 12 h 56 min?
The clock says 7 h 59 min
